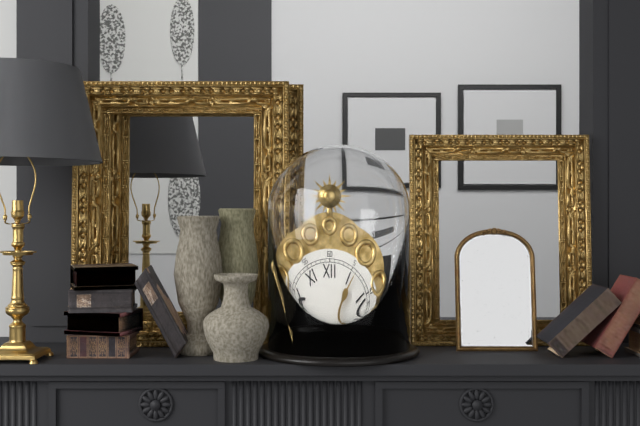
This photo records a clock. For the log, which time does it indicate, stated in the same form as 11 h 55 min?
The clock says 8 h 06 min
